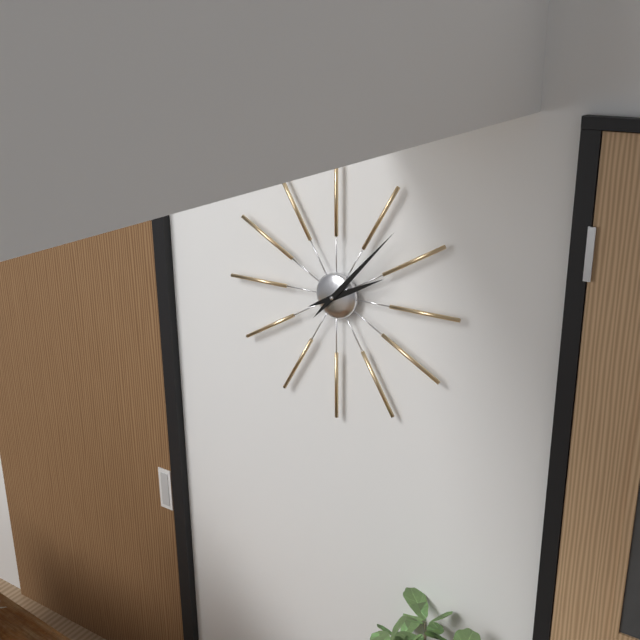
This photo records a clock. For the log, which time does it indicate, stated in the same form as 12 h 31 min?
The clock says 2 h 07 min
